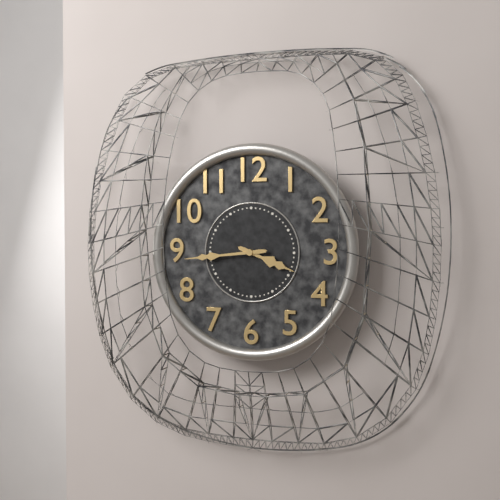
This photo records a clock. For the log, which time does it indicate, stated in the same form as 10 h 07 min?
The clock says 3 h 44 min
